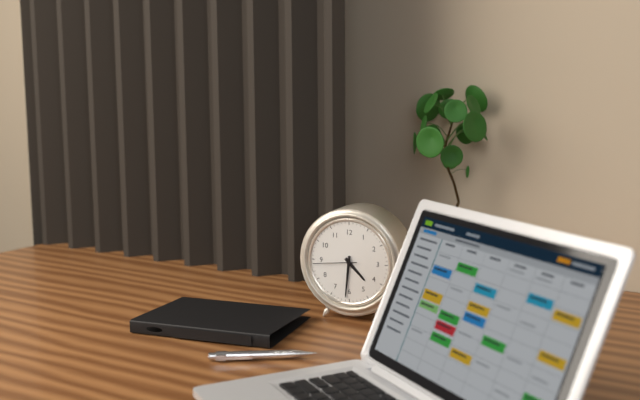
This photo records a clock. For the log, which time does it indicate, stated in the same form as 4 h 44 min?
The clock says 4 h 31 min
